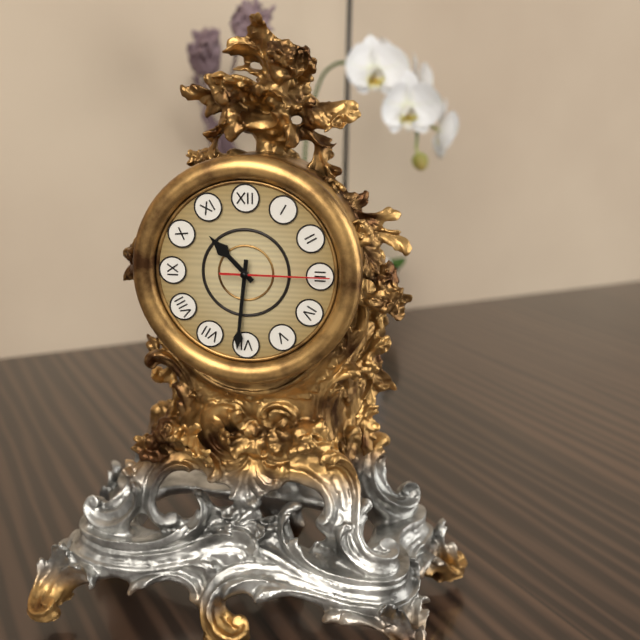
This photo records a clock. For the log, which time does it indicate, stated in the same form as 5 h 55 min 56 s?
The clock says 10 h 31 min 15 s
